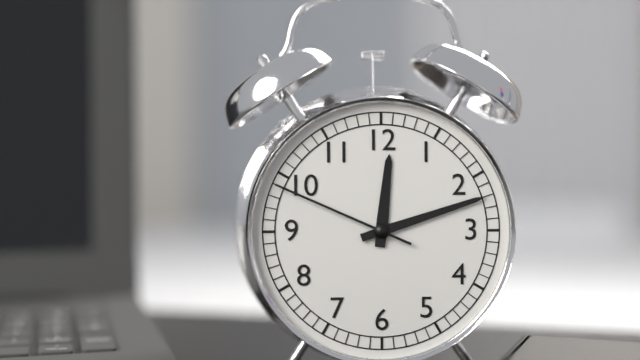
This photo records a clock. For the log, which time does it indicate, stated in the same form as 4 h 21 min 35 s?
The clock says 12 h 12 min 49 s
